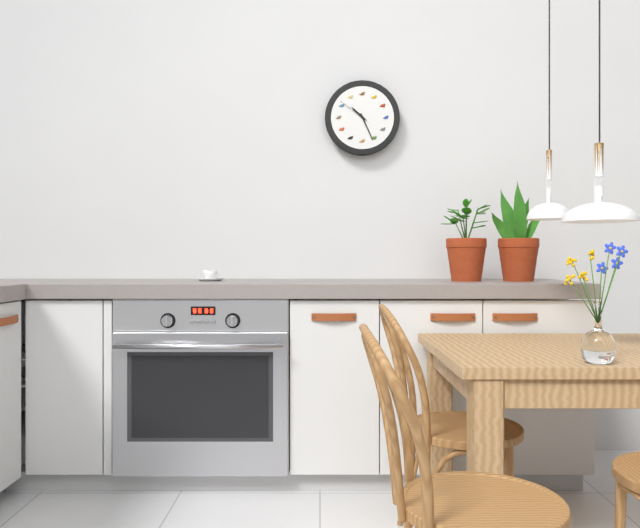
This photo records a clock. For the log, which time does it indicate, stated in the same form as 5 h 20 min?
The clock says 10 h 26 min
